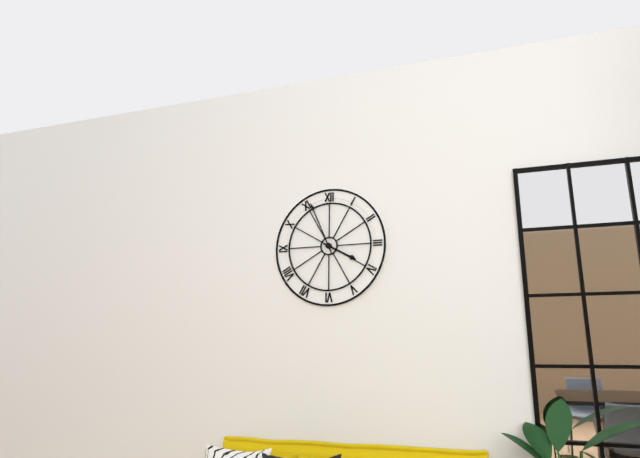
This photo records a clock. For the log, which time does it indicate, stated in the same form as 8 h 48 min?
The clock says 3 h 56 min
